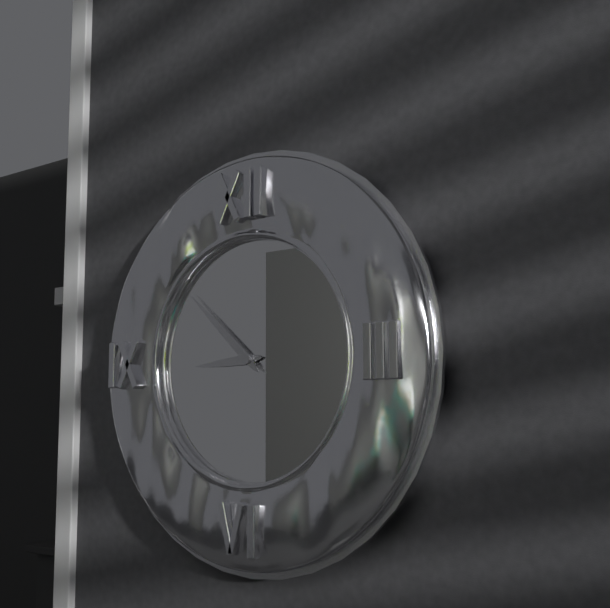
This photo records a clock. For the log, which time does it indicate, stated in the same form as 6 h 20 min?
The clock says 8 h 52 min
